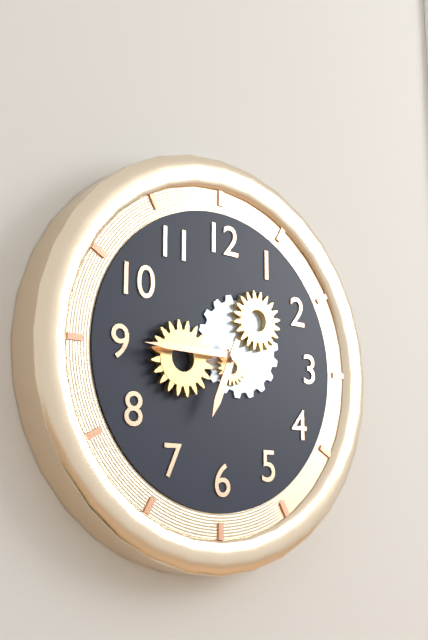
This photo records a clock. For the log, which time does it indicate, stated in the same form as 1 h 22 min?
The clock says 6 h 45 min
